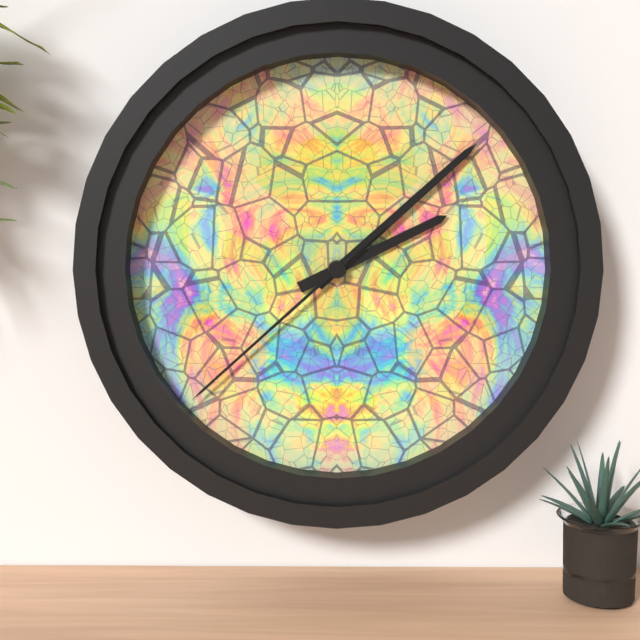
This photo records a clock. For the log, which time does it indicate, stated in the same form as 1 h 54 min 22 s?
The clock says 2 h 08 min 38 s
